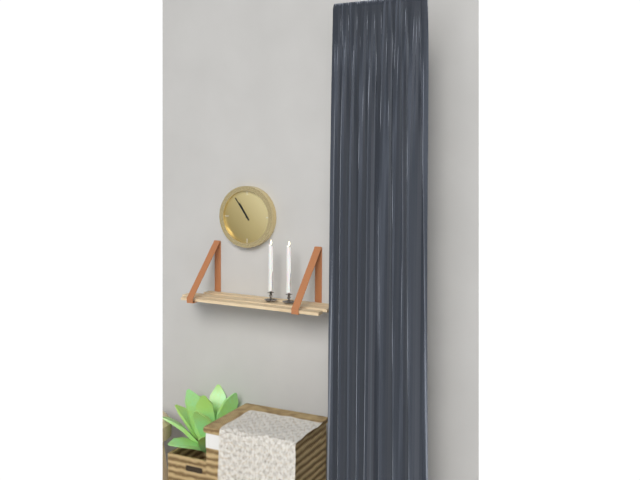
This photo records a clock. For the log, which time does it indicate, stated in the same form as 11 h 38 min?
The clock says 10 h 54 min
